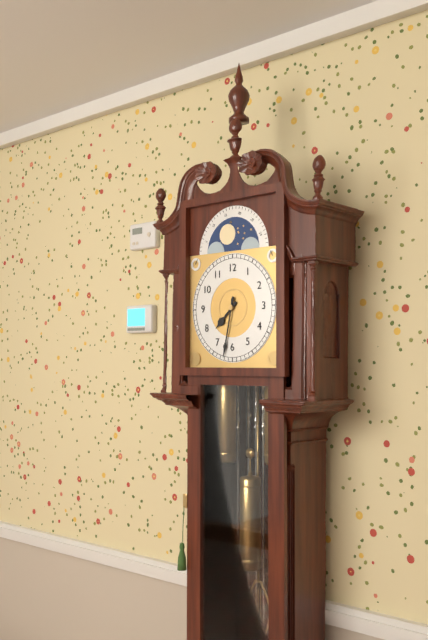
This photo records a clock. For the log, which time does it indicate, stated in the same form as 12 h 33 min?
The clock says 7 h 32 min
